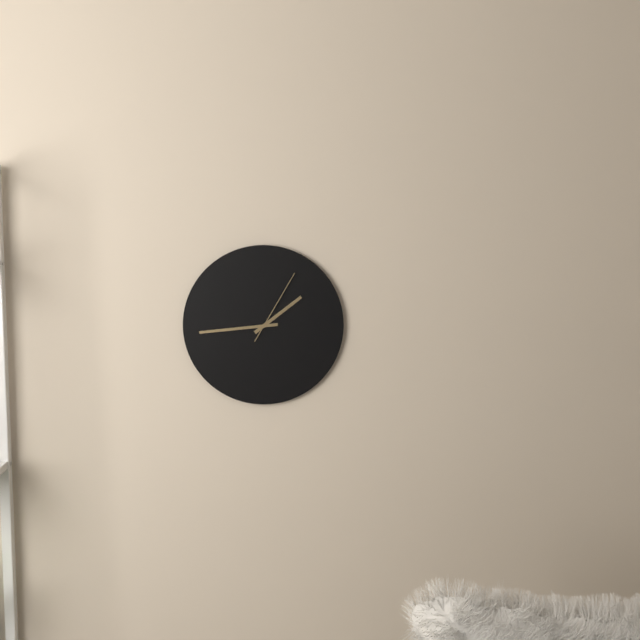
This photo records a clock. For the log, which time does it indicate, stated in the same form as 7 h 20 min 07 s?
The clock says 1 h 44 min 05 s
